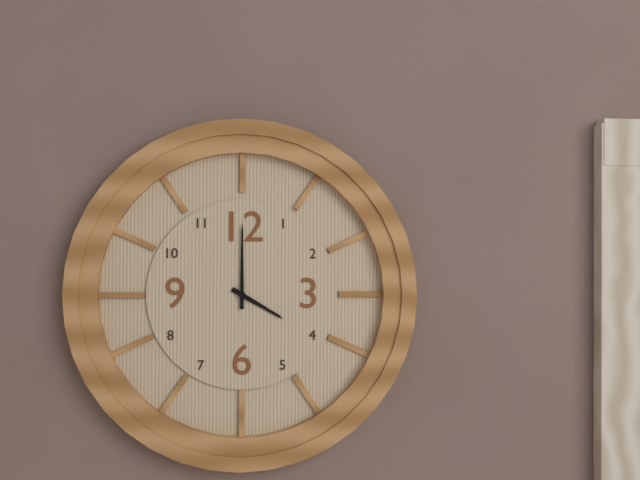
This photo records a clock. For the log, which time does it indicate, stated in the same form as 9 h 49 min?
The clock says 4 h 00 min
